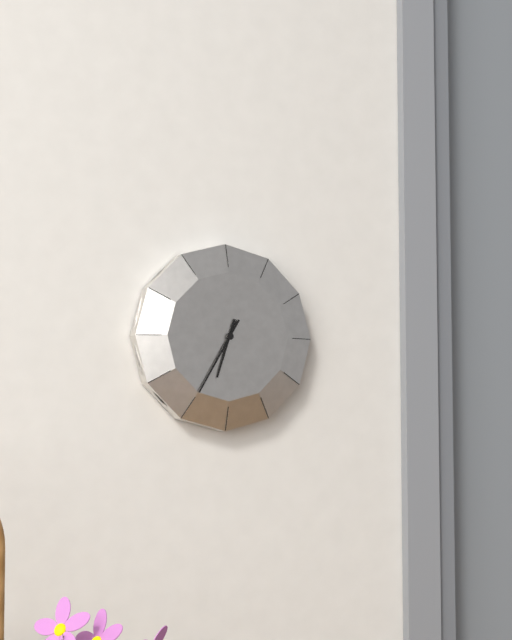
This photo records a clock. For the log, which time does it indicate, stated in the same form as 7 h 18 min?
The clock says 6 h 35 min
